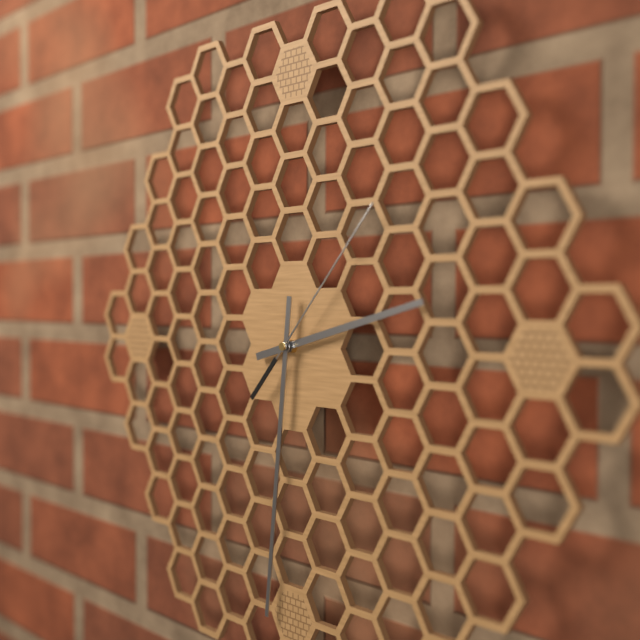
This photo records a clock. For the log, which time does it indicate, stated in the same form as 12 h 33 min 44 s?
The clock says 2 h 31 min 07 s
